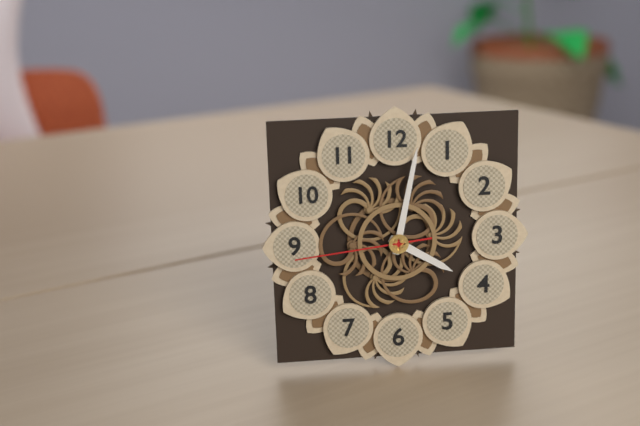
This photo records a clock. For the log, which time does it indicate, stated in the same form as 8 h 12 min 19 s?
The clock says 4 h 02 min 44 s
